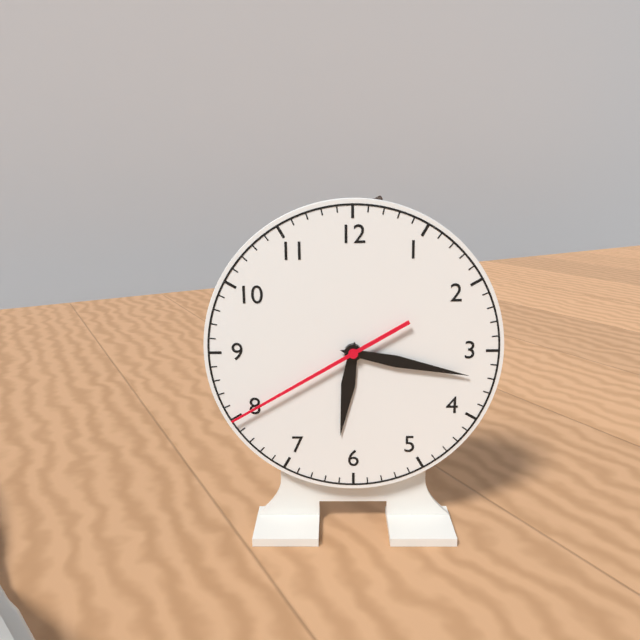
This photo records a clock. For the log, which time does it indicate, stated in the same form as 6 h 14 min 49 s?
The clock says 6 h 17 min 40 s
